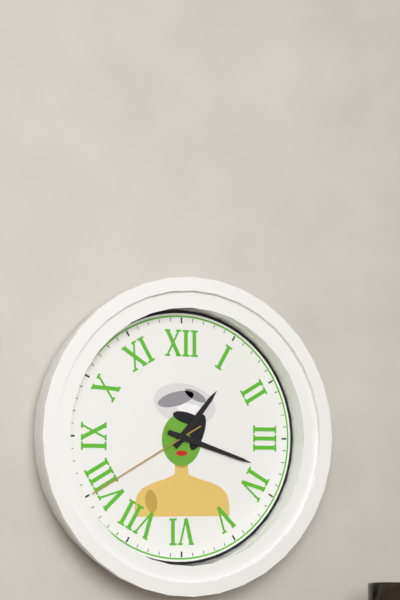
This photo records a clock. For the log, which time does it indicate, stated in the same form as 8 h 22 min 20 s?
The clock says 1 h 18 min 40 s
